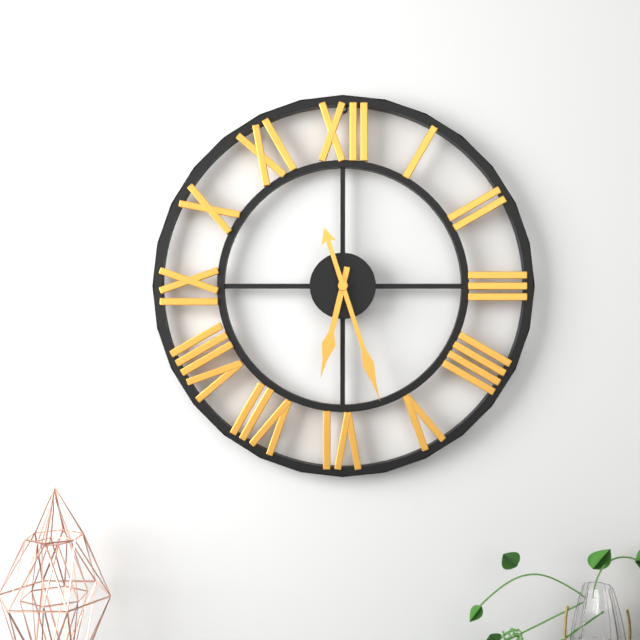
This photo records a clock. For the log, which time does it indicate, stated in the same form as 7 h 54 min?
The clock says 6 h 27 min
